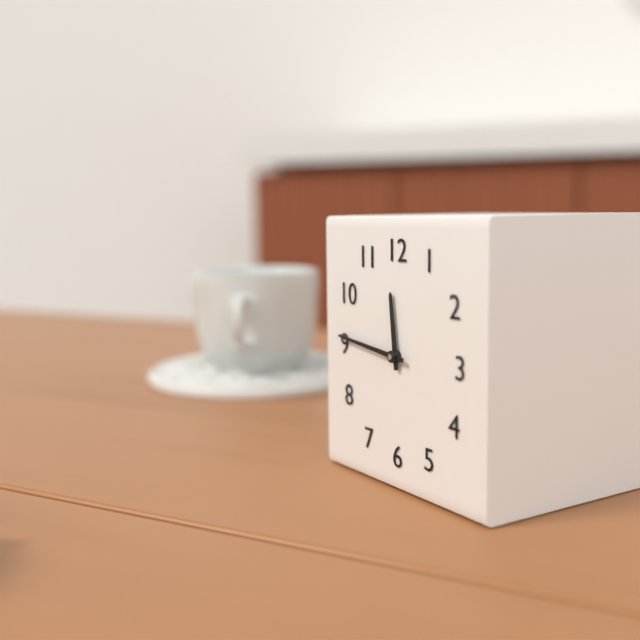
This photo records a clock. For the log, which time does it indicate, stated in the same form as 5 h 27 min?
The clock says 11 h 46 min
